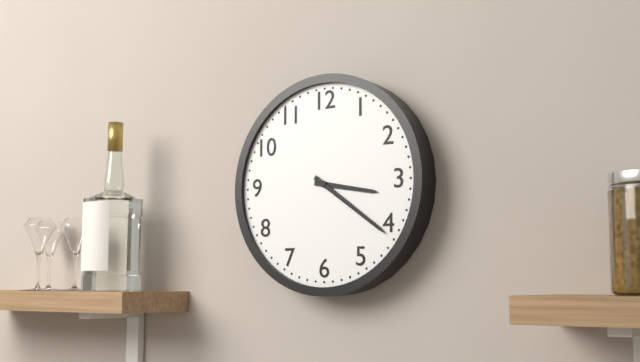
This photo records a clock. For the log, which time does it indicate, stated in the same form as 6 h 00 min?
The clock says 3 h 21 min
